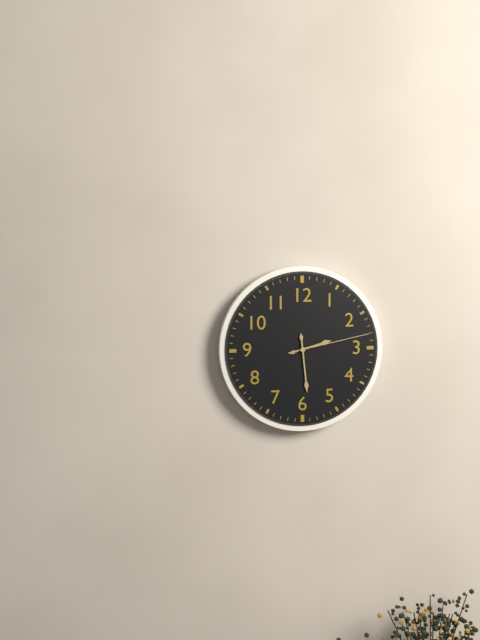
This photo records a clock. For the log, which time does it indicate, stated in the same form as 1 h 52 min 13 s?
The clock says 2 h 29 min 13 s
